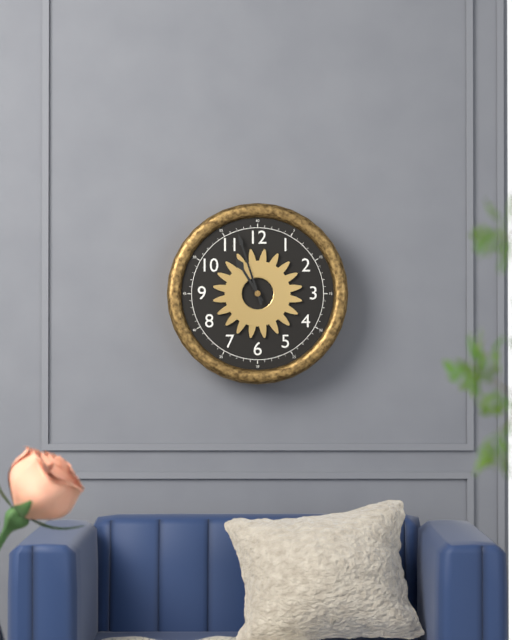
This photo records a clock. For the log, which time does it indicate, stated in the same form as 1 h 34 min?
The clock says 10 h 57 min
